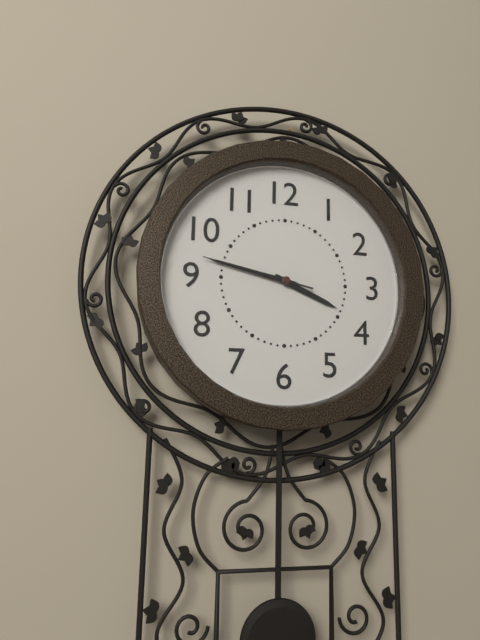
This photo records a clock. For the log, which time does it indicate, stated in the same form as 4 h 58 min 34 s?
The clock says 3 h 47 min 47 s
